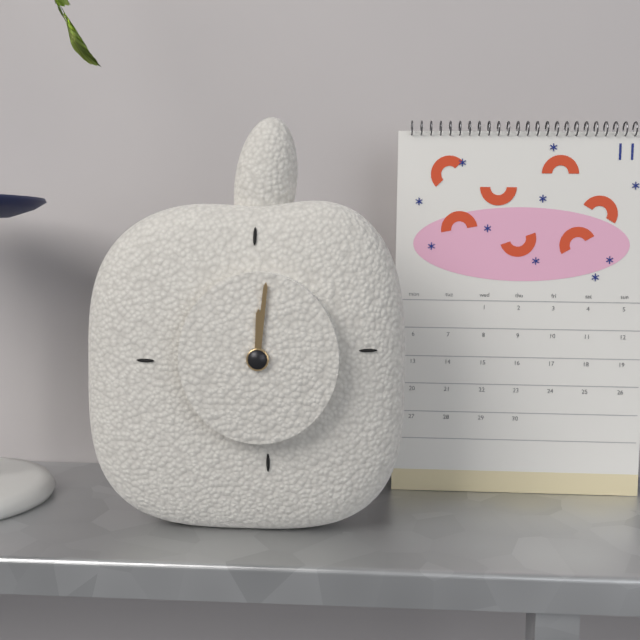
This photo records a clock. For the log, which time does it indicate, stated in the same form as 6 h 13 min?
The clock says 12 h 01 min
